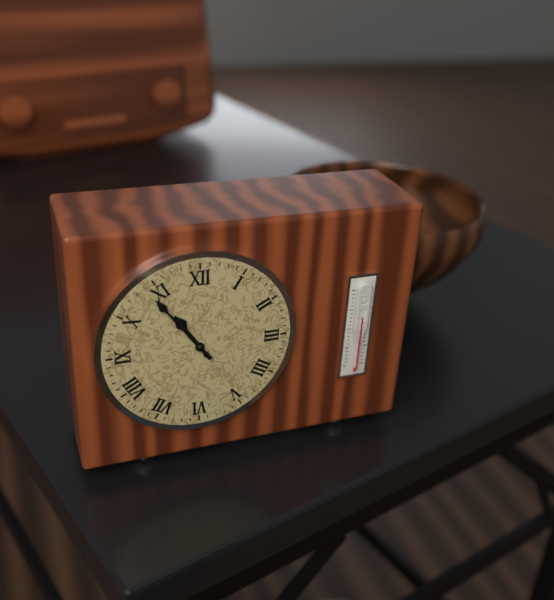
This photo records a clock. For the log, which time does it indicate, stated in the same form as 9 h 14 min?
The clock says 10 h 54 min
